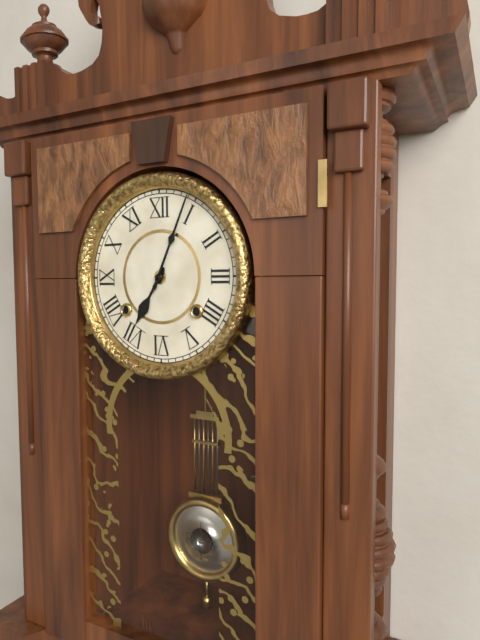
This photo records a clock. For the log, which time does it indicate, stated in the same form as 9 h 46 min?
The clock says 7 h 04 min
